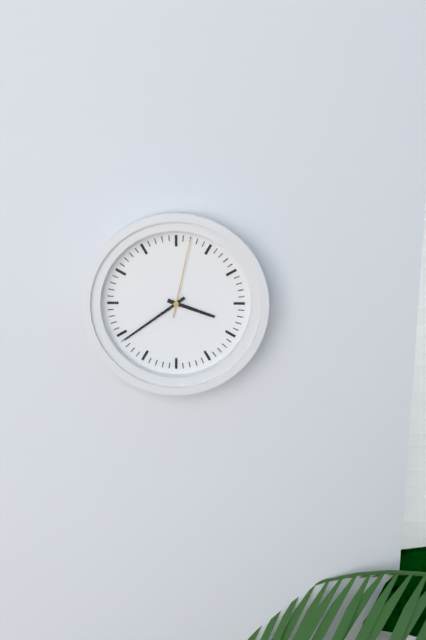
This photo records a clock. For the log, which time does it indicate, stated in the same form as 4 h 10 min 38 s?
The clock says 3 h 39 min 02 s
